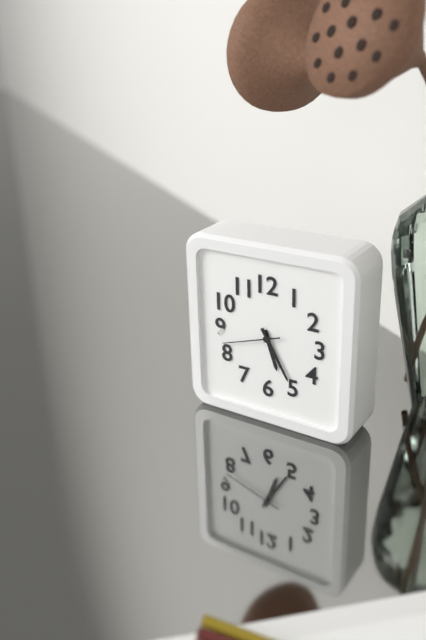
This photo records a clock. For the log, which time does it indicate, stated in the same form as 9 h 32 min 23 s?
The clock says 5 h 25 min 42 s
